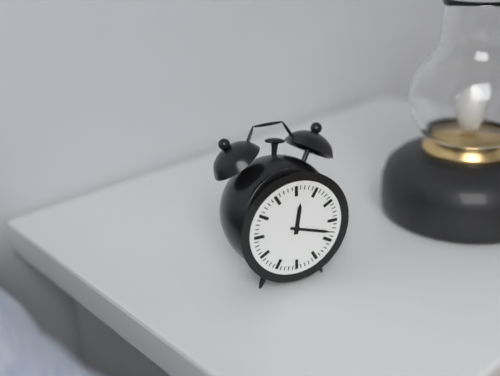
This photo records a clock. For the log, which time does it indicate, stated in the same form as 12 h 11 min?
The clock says 12 h 18 min
